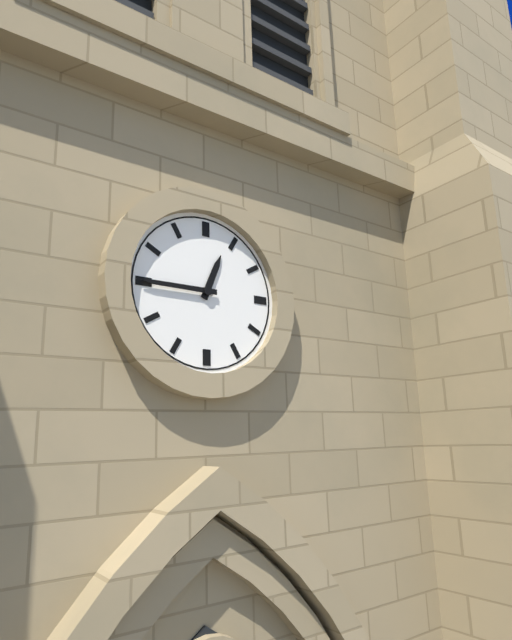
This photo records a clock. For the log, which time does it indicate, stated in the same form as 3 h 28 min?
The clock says 12 h 45 min
